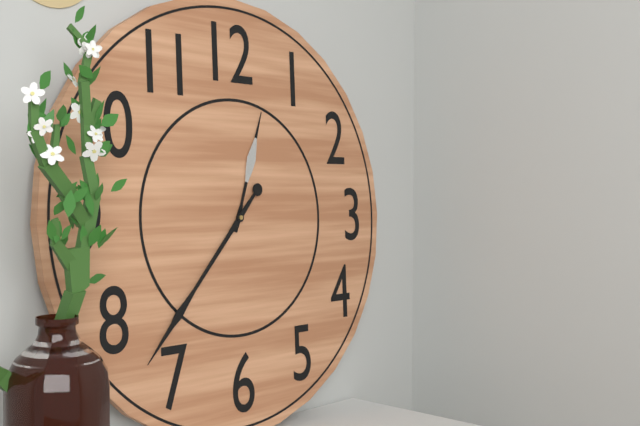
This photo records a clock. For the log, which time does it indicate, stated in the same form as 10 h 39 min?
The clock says 12 h 37 min
